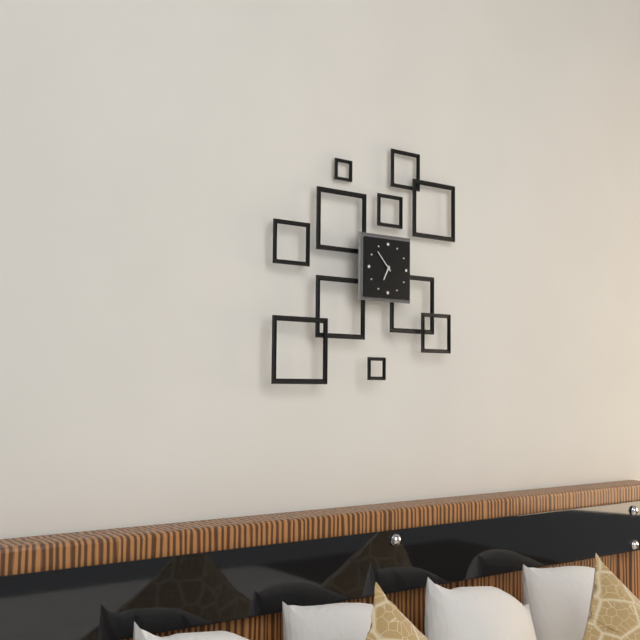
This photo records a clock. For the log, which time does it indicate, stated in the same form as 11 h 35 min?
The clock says 6 h 53 min
